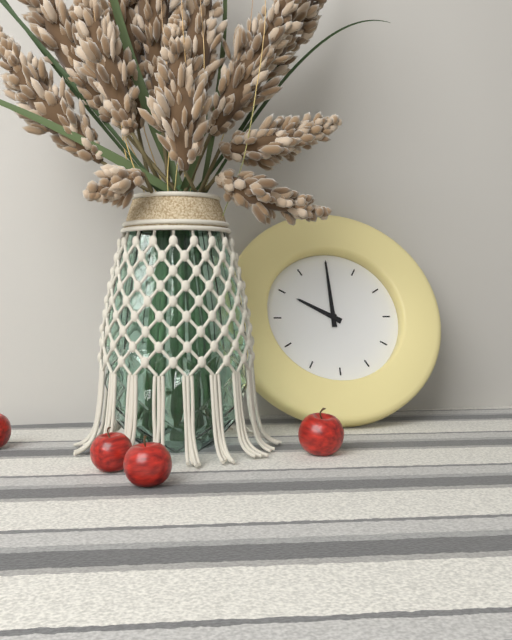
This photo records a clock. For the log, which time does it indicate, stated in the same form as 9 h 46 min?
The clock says 10 h 00 min
